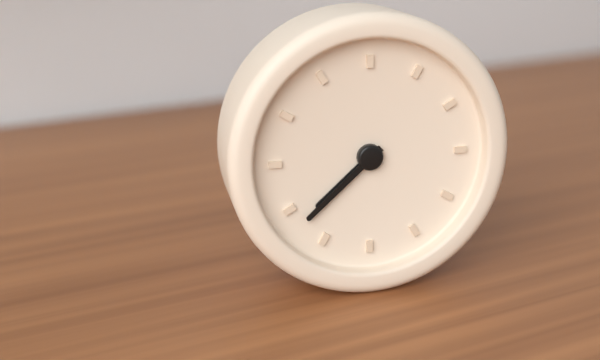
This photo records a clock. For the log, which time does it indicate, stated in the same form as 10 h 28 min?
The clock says 7 h 38 min
